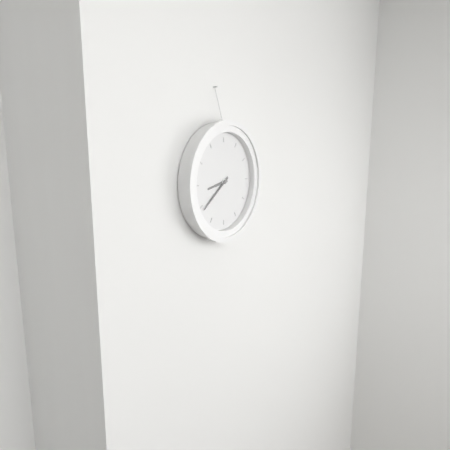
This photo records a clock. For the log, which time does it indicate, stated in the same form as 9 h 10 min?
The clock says 8 h 39 min
